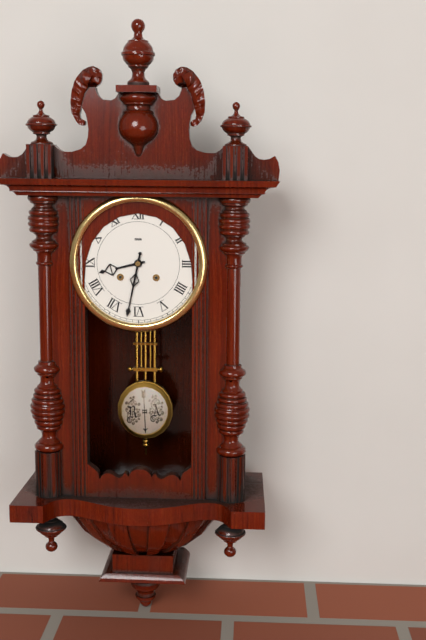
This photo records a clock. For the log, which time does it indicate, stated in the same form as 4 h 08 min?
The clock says 8 h 32 min
